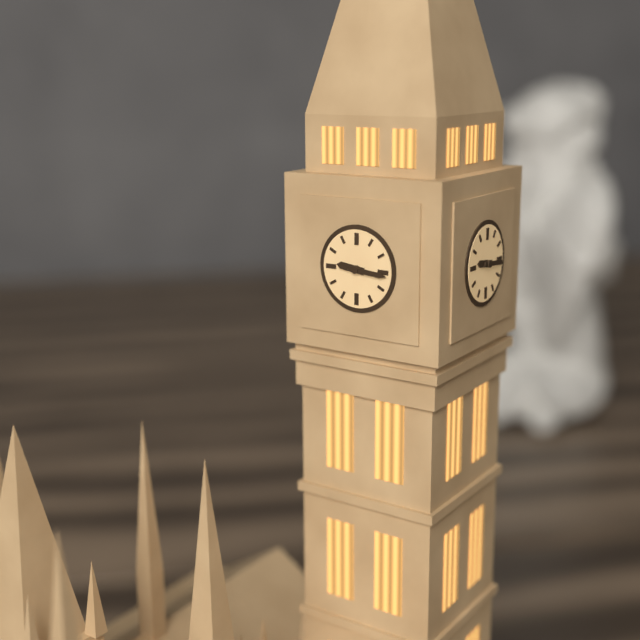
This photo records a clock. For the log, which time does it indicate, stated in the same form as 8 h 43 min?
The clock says 9 h 16 min
